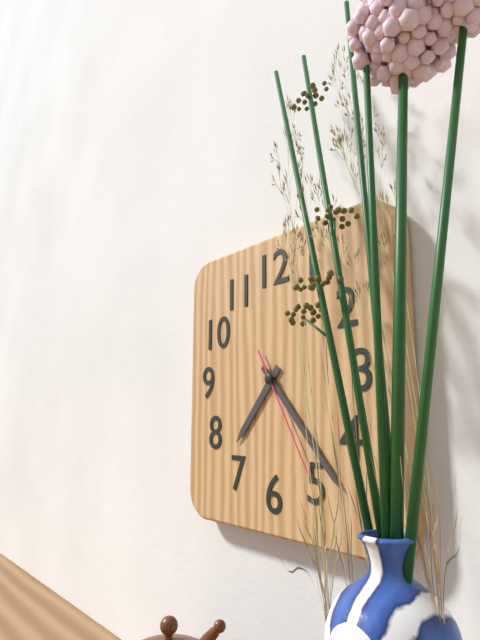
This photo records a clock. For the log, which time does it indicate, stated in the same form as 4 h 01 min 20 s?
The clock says 7 h 23 min 25 s
